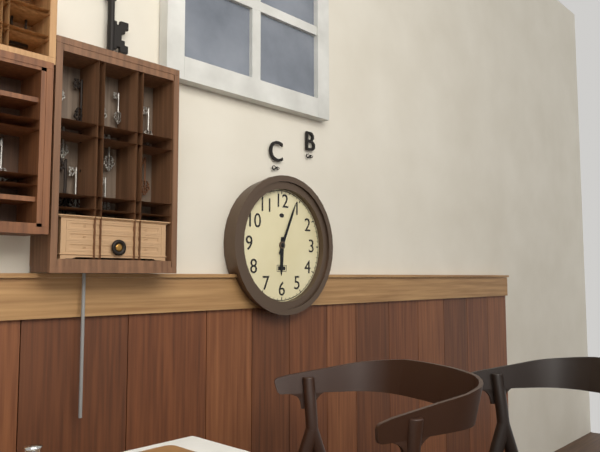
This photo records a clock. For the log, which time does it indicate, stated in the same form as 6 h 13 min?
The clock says 6 h 04 min
